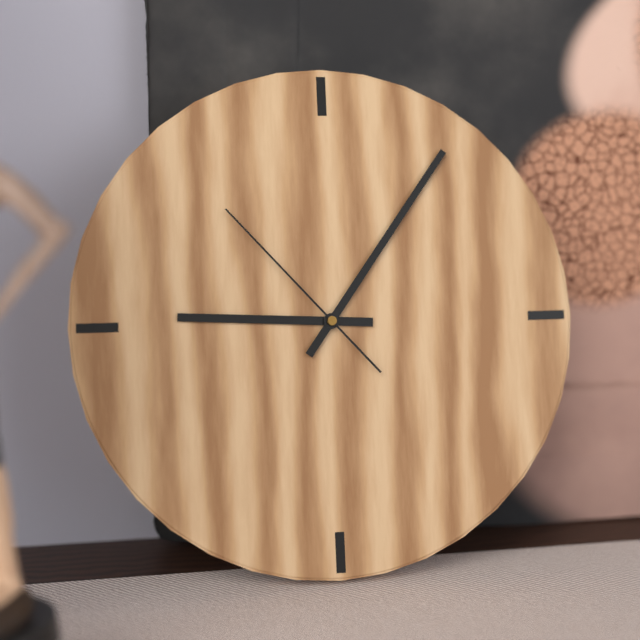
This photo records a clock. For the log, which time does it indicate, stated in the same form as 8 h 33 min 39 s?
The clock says 9 h 06 min 53 s
